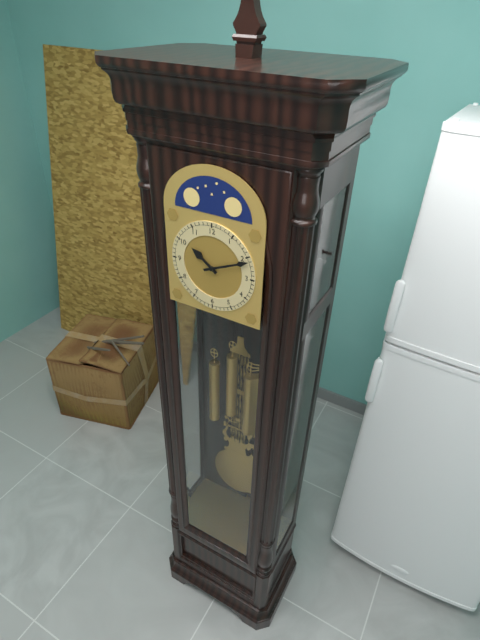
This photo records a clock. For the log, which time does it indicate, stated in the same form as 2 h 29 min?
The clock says 10 h 11 min
